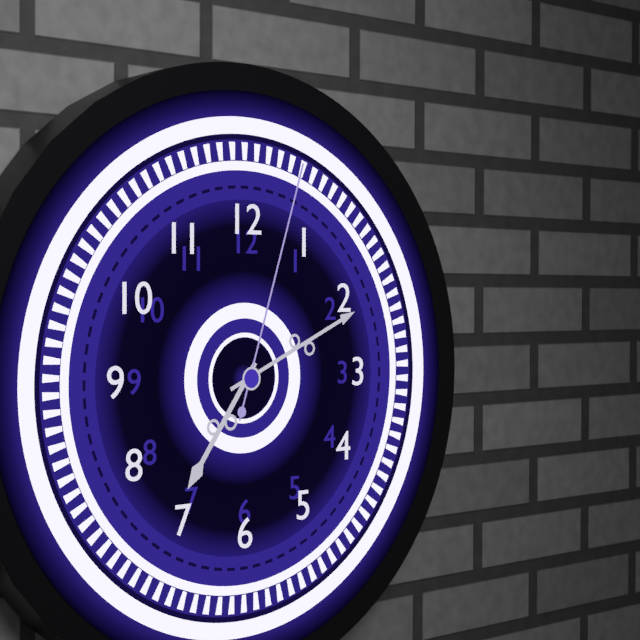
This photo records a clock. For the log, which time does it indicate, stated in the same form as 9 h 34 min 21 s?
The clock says 7 h 11 min 03 s
